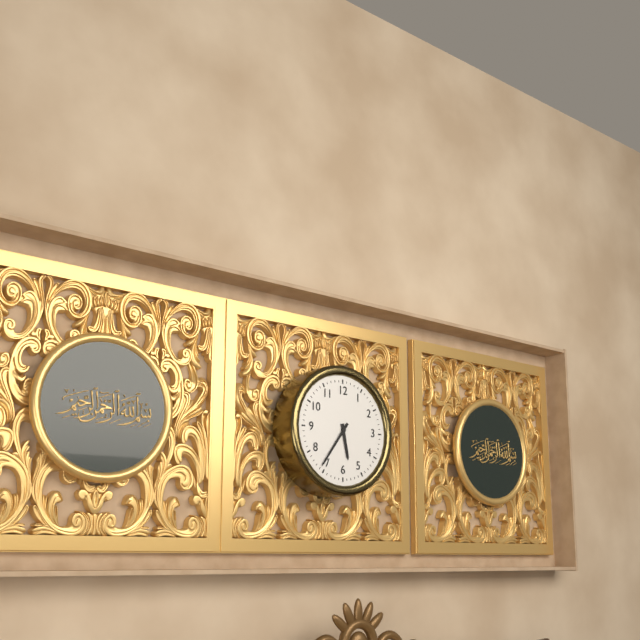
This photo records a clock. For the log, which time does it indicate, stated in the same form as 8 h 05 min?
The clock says 5 h 36 min
